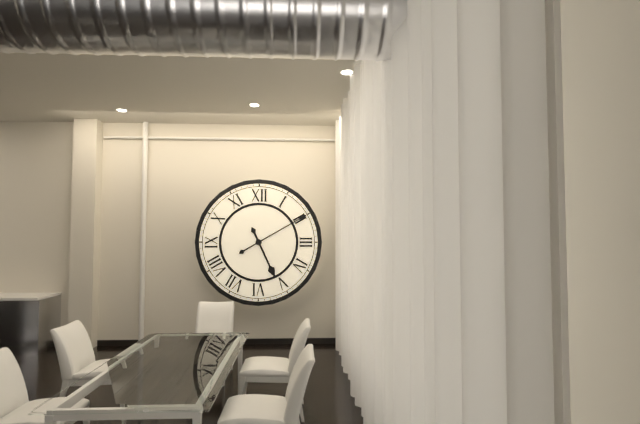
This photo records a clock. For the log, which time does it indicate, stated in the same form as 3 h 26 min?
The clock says 5 h 10 min
